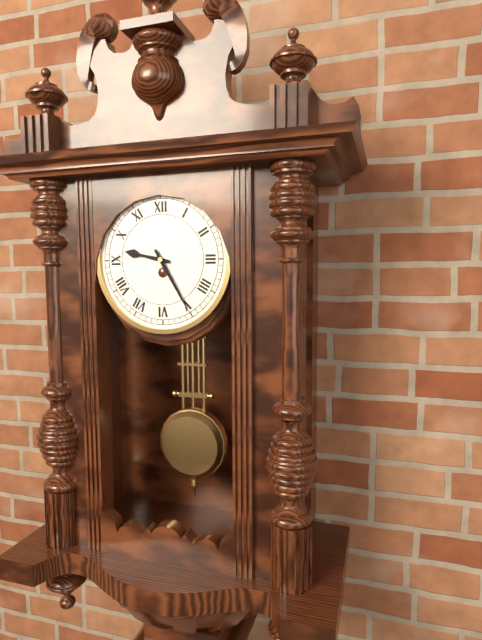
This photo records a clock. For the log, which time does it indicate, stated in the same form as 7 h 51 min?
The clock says 9 h 25 min
